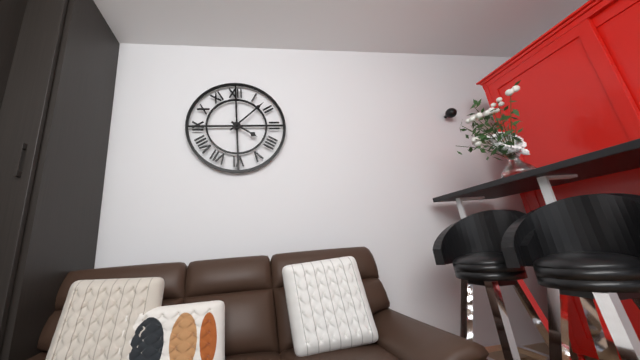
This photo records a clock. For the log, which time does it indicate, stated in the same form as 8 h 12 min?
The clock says 4 h 08 min
